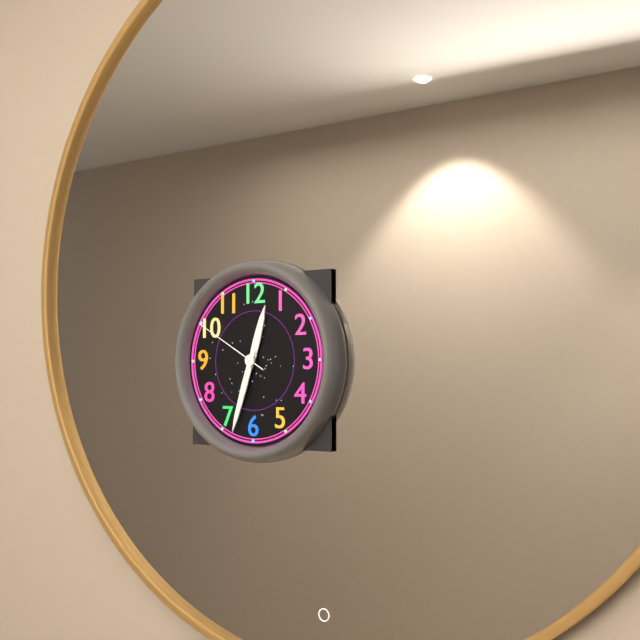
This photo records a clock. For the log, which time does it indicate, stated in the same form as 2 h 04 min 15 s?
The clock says 12 h 33 min 50 s
